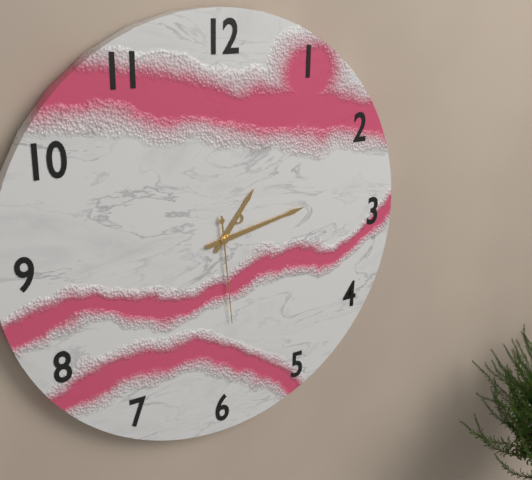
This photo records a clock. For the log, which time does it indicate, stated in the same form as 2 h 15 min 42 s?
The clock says 1 h 13 min 29 s
